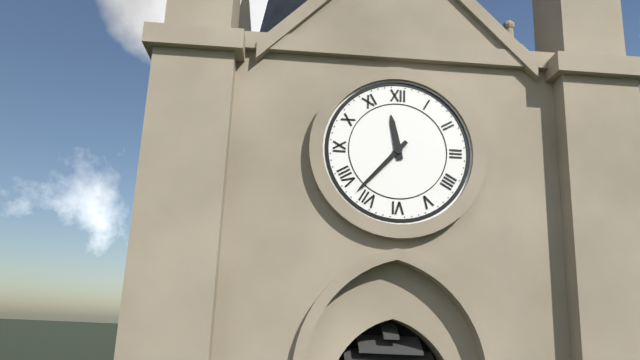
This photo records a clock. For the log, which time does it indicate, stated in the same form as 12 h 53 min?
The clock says 11 h 37 min
